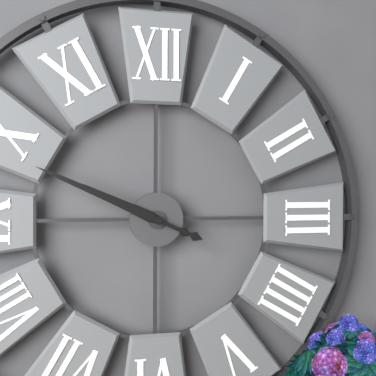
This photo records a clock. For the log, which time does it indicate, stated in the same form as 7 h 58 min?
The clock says 9 h 49 min
